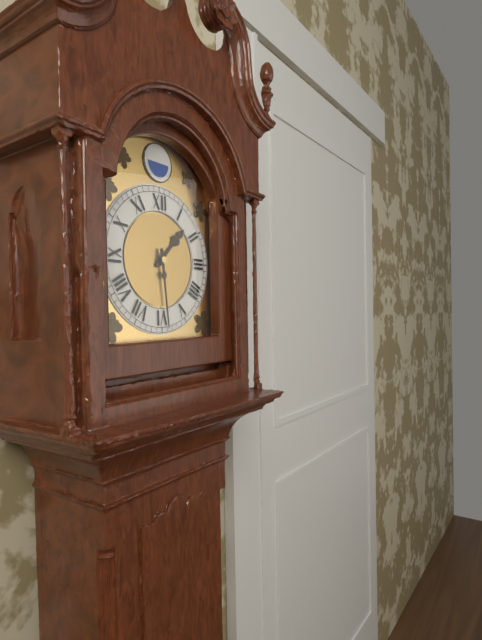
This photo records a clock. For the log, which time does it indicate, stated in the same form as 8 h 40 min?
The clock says 1 h 29 min
